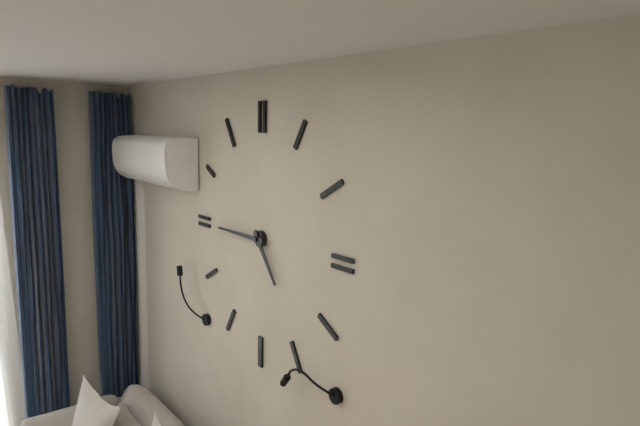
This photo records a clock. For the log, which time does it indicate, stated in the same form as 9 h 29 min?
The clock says 4 h 45 min
